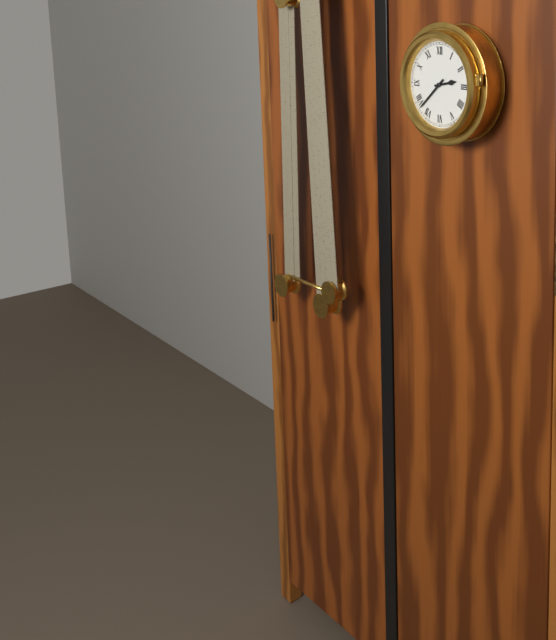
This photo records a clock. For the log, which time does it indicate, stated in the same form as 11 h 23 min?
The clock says 2 h 38 min
